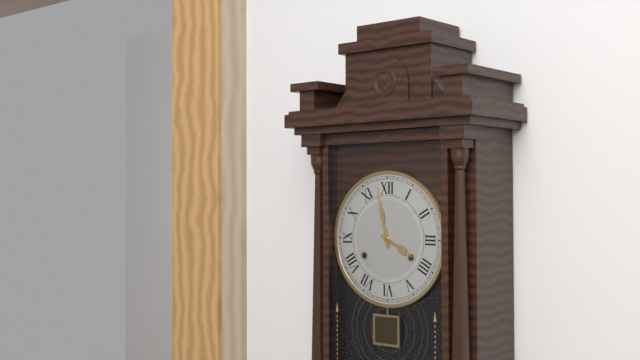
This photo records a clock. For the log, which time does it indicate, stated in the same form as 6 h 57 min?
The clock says 3 h 58 min
